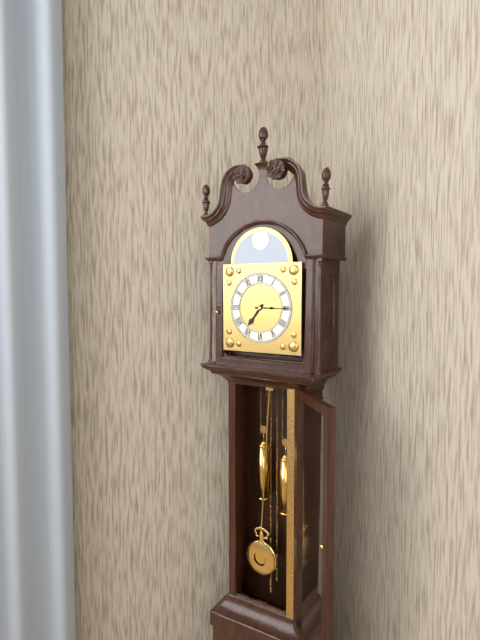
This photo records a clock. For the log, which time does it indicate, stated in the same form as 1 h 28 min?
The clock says 7 h 15 min
